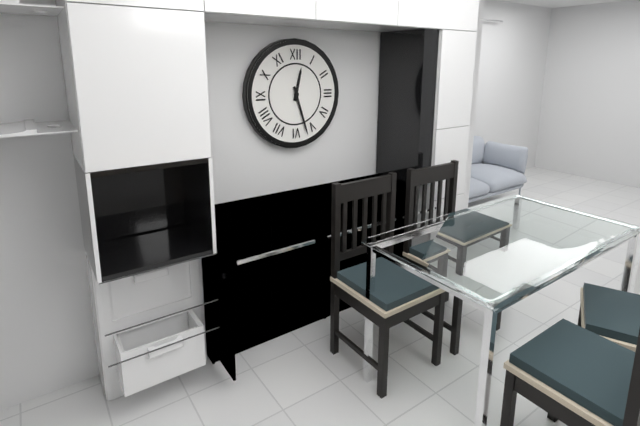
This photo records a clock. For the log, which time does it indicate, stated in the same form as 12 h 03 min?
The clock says 12 h 27 min
